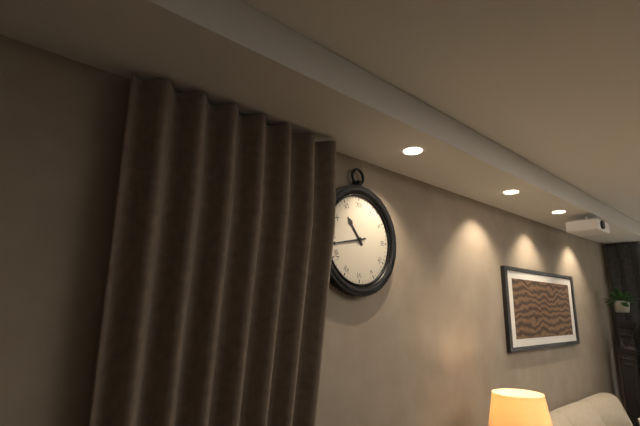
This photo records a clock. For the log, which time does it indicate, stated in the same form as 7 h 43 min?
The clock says 10 h 43 min
